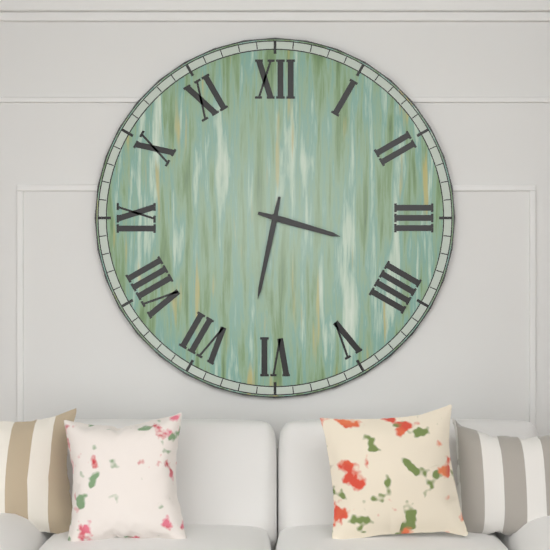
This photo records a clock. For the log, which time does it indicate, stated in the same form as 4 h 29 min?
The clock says 3 h 32 min
